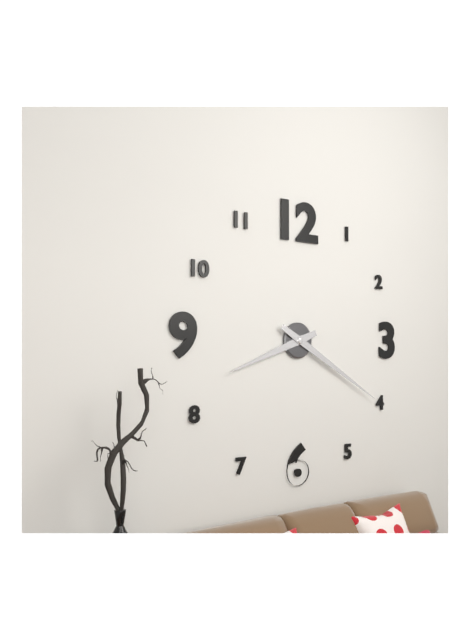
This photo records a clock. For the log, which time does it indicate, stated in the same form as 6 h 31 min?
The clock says 8 h 20 min
